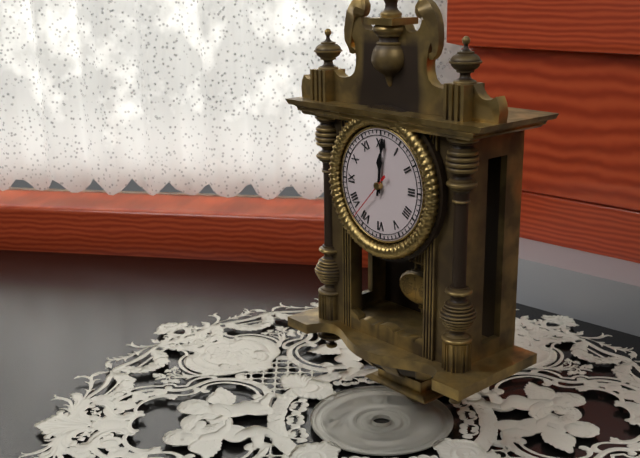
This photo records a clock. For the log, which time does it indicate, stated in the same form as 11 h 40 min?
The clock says 12 h 01 min
